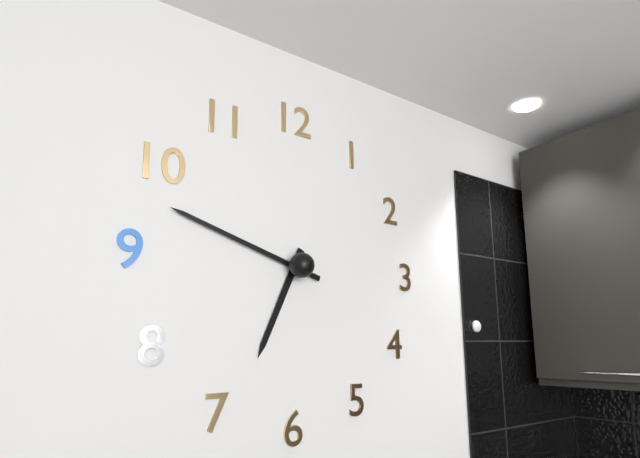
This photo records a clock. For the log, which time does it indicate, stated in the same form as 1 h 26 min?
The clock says 6 h 48 min
